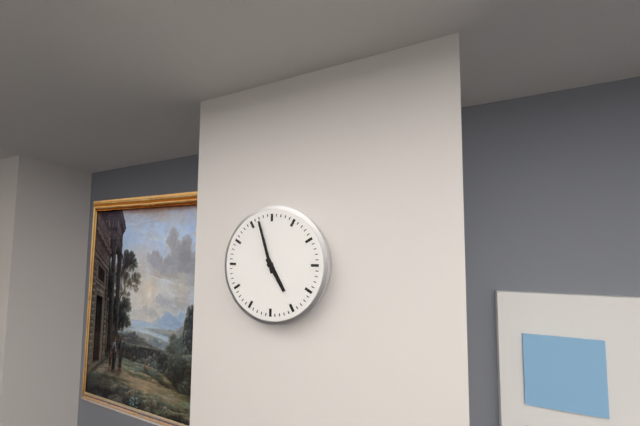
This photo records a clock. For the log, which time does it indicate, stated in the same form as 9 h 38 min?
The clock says 4 h 57 min
